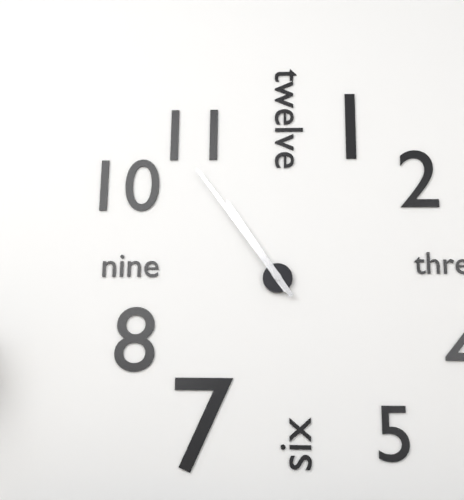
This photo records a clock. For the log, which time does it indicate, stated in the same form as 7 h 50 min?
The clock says 10 h 54 min
